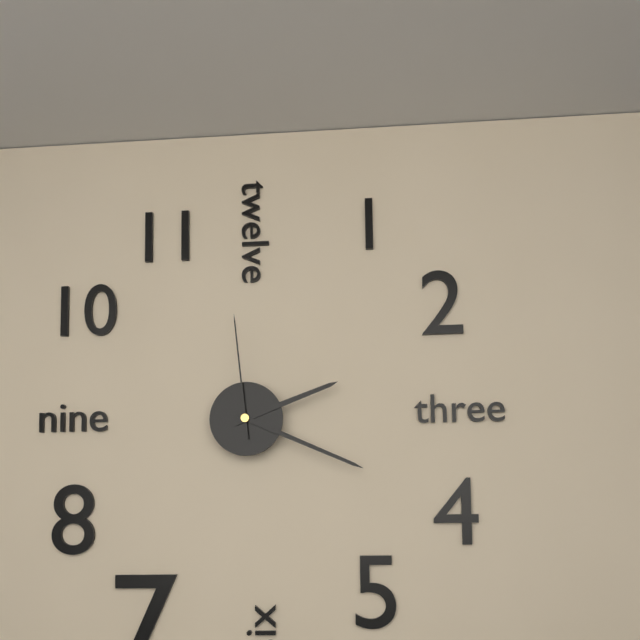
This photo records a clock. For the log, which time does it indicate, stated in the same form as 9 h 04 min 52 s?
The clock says 2 h 19 min 59 s
